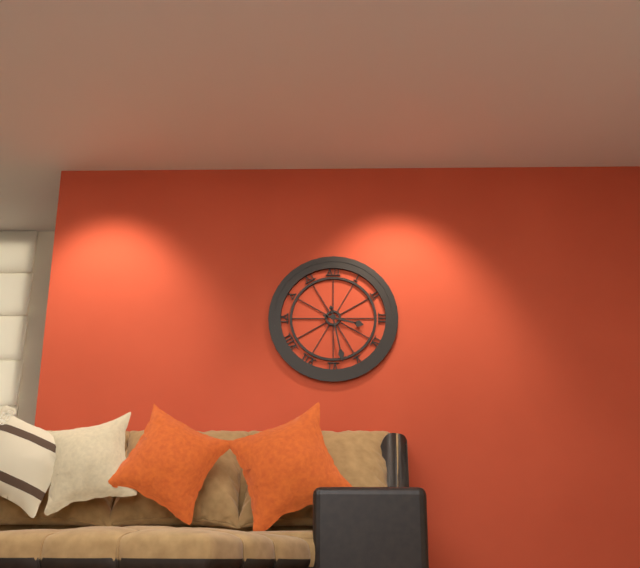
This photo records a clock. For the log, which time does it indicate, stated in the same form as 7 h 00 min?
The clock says 3 h 28 min
